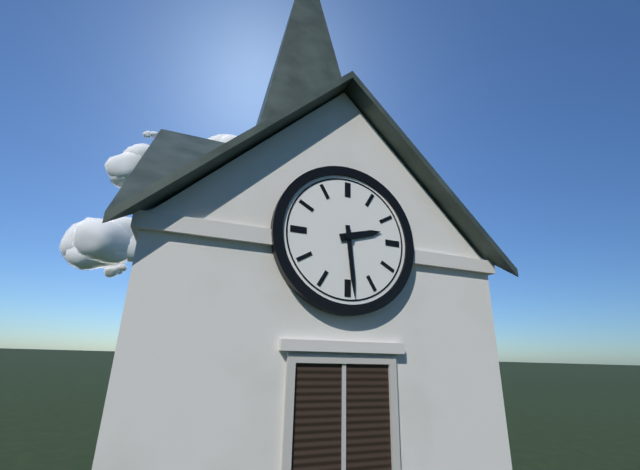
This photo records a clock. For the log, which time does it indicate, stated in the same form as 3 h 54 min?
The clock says 2 h 29 min
